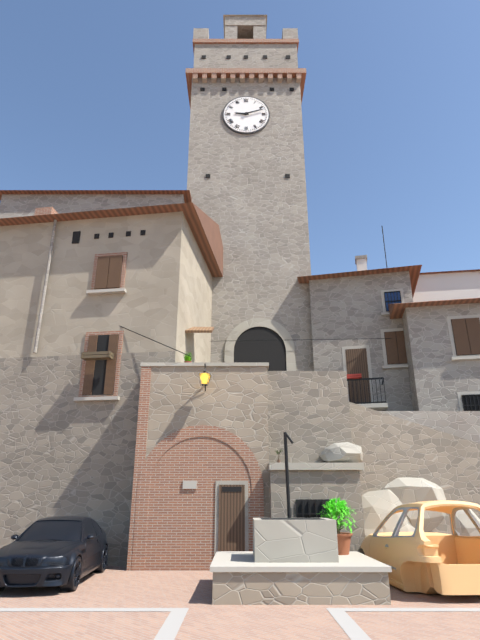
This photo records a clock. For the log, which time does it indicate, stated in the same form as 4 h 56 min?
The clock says 9 h 12 min
